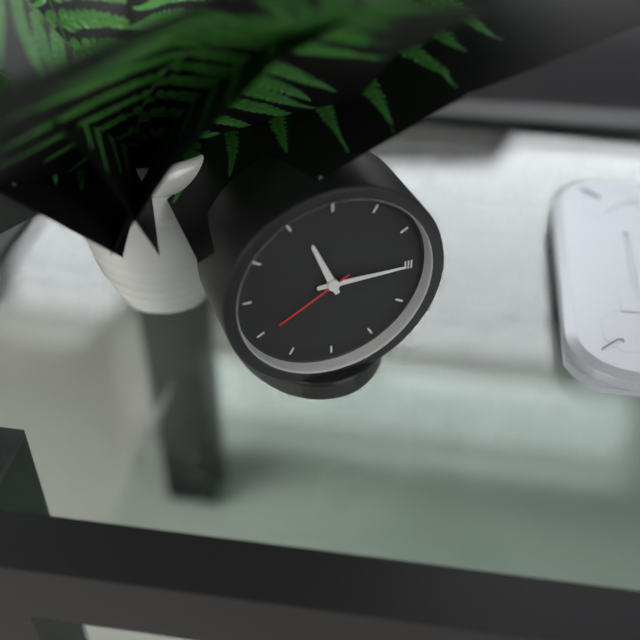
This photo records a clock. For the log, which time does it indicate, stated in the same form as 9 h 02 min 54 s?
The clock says 11 h 15 min 40 s
